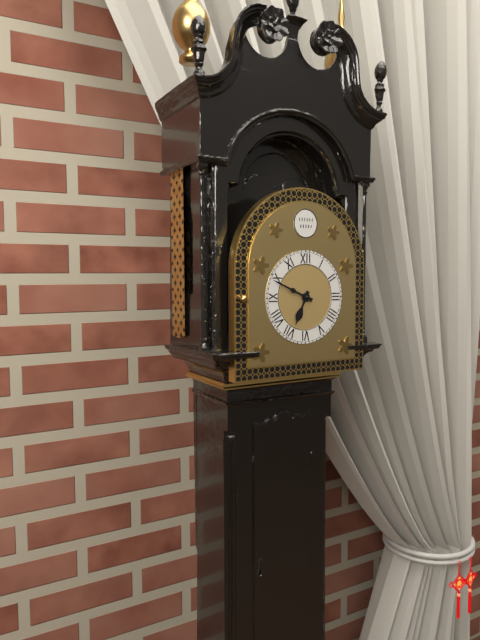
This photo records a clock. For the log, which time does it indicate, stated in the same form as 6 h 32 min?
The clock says 6 h 49 min
